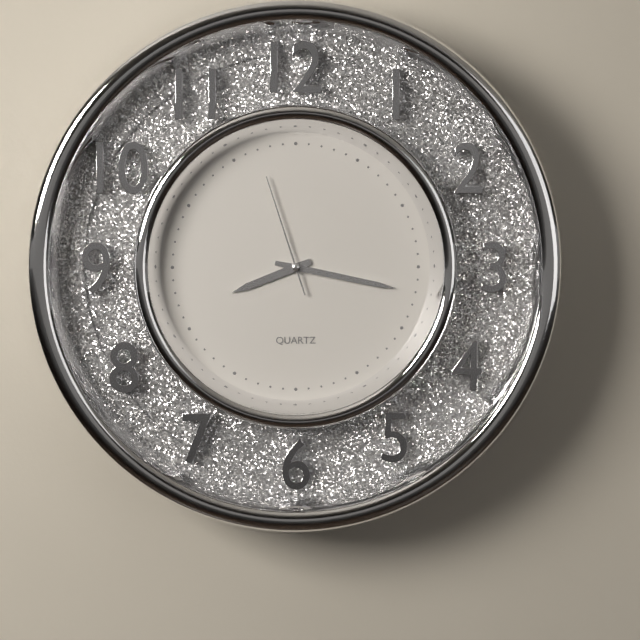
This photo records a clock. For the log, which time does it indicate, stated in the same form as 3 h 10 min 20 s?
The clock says 8 h 17 min 57 s
